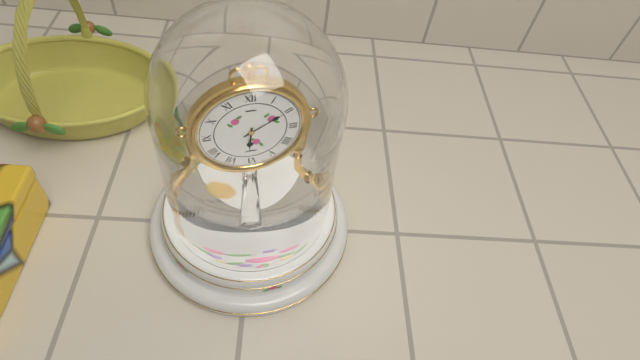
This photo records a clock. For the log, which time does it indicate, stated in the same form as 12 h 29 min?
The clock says 6 h 10 min
